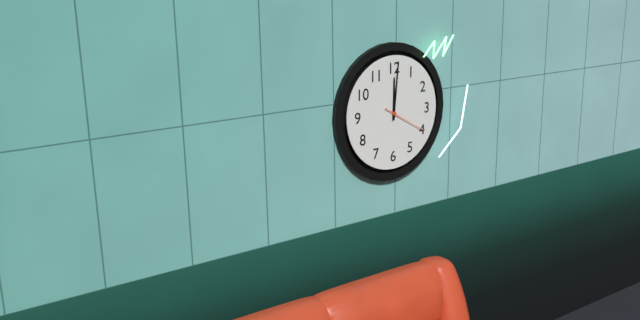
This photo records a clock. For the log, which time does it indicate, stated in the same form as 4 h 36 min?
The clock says 12 h 01 min
